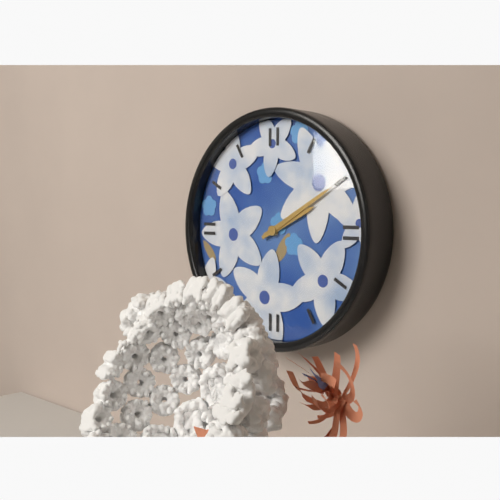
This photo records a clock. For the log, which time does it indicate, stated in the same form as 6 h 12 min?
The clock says 2 h 10 min
